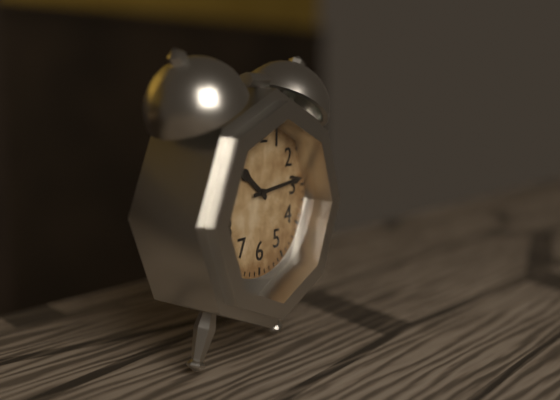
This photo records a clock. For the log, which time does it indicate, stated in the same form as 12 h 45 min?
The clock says 10 h 14 min
